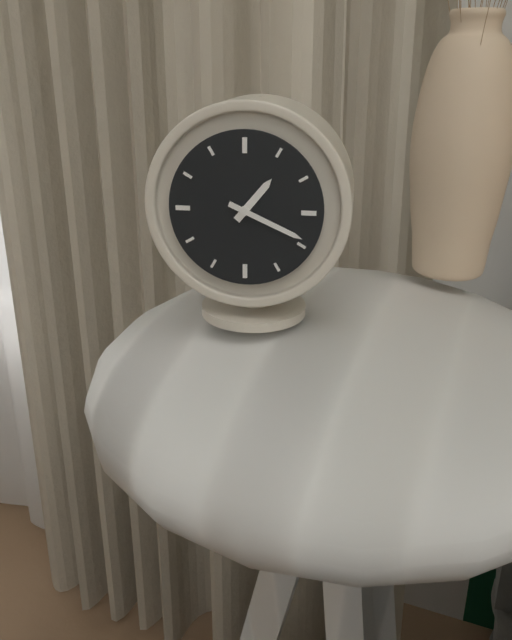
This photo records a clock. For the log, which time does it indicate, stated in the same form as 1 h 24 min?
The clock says 1 h 19 min
